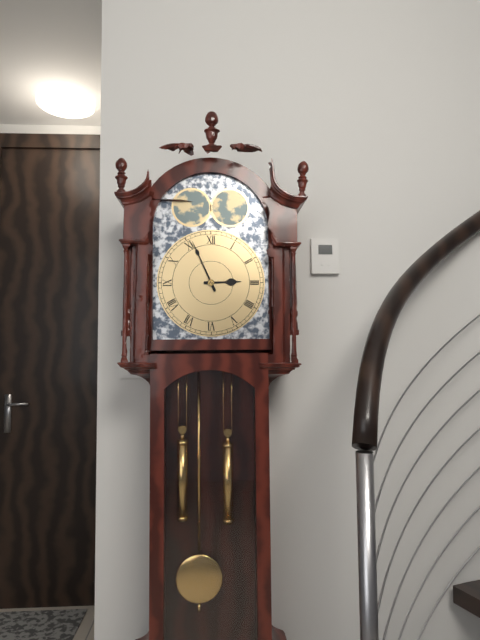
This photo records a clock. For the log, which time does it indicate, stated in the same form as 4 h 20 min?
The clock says 2 h 56 min
